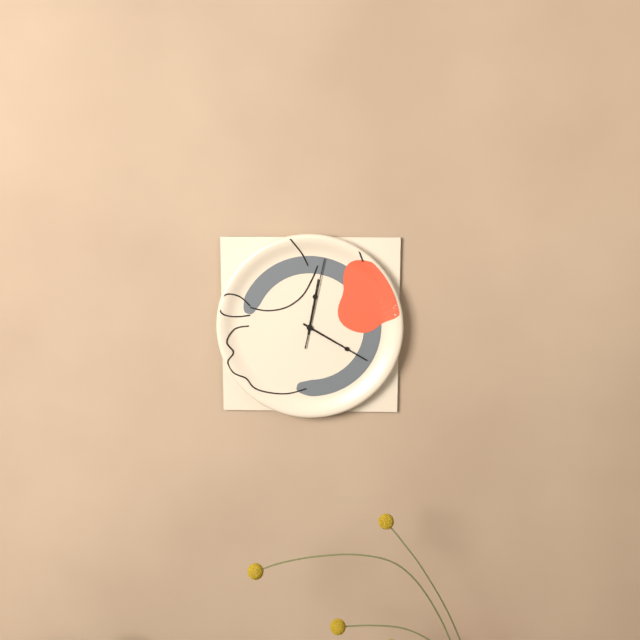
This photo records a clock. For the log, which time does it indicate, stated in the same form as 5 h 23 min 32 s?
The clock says 12 h 20 min 02 s
